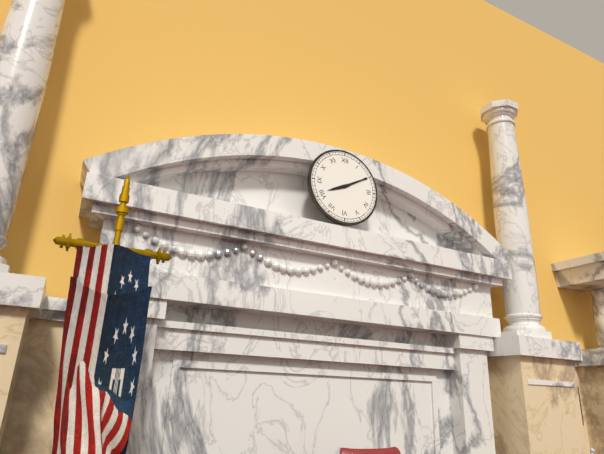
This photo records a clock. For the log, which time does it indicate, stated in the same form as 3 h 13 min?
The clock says 8 h 10 min
